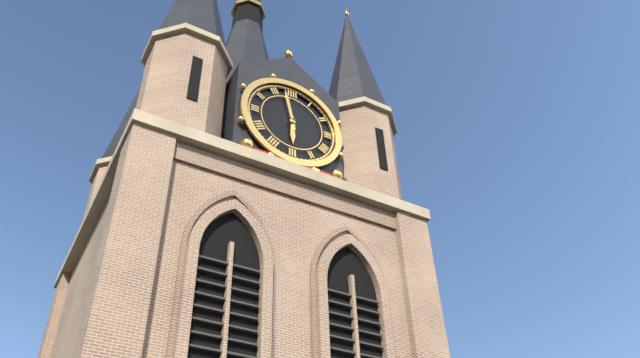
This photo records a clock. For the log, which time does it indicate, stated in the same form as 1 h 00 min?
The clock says 5 h 58 min
